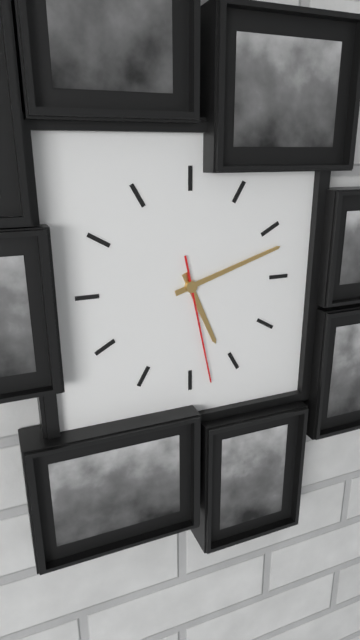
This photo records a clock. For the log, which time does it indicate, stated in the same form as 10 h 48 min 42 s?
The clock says 5 h 12 min 28 s
